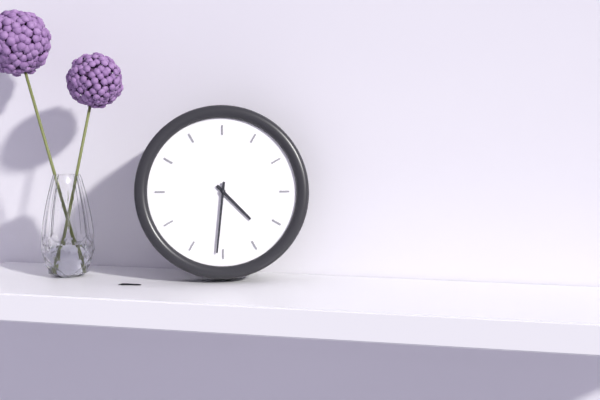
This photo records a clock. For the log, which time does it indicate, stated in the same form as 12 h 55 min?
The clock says 4 h 31 min
